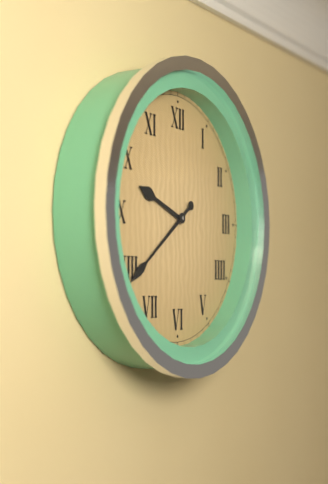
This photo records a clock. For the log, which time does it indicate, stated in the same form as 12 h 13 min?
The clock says 9 h 39 min
